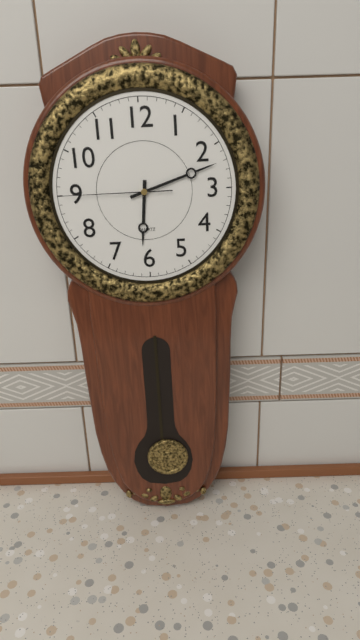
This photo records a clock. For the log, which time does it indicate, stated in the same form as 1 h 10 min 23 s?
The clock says 6 h 12 min 45 s
